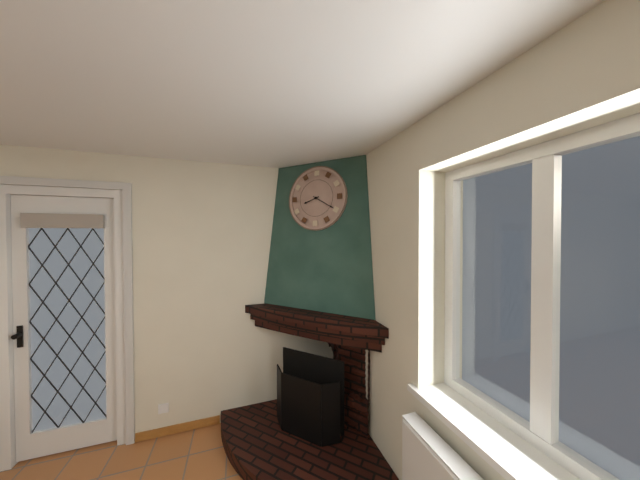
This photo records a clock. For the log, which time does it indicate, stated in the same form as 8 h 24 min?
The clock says 8 h 20 min
